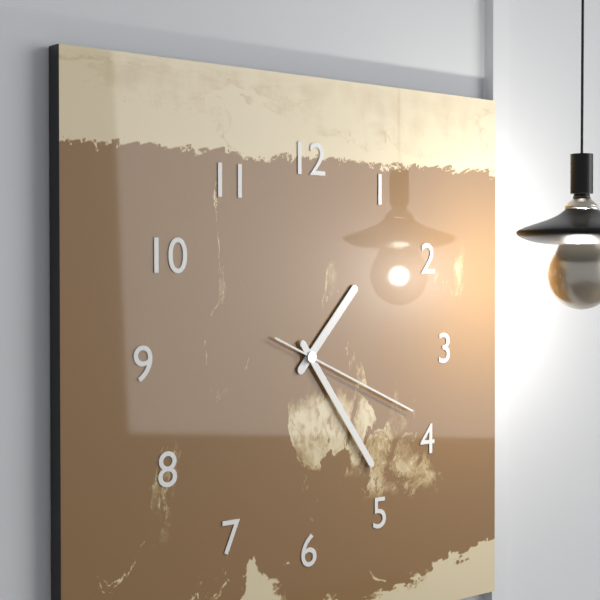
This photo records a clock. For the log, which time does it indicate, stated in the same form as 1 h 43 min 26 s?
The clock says 1 h 24 min 19 s
